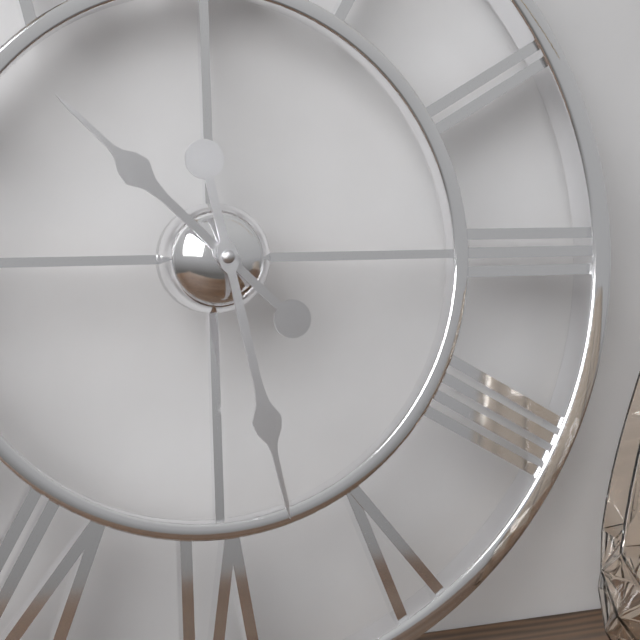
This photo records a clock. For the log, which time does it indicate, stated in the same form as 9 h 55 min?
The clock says 10 h 28 min
